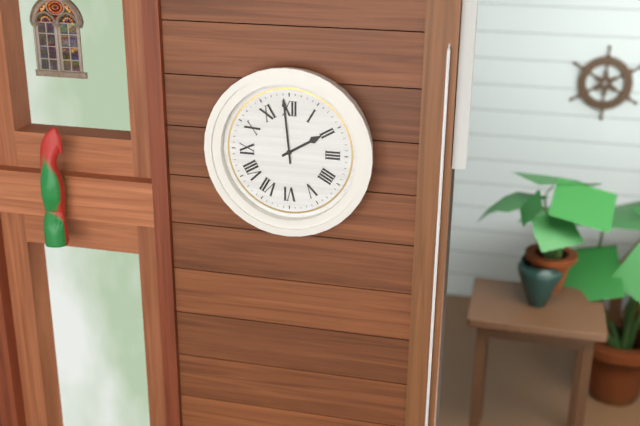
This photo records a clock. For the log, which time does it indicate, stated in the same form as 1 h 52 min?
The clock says 1 h 59 min
